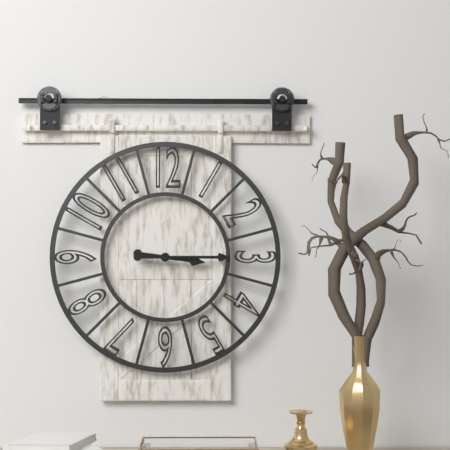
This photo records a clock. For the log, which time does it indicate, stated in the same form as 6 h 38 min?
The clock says 3 h 15 min
